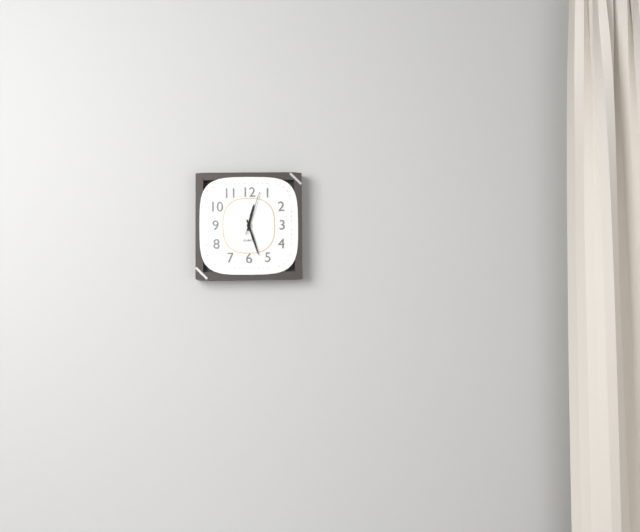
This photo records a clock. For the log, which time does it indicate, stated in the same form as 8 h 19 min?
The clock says 12 h 27 min
